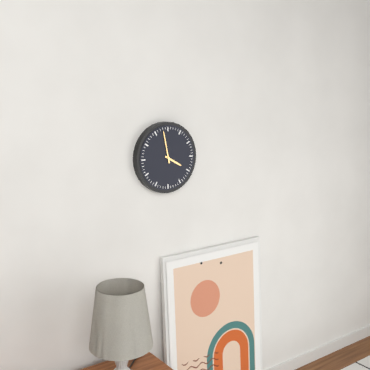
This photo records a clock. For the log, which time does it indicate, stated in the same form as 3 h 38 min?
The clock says 3 h 58 min
